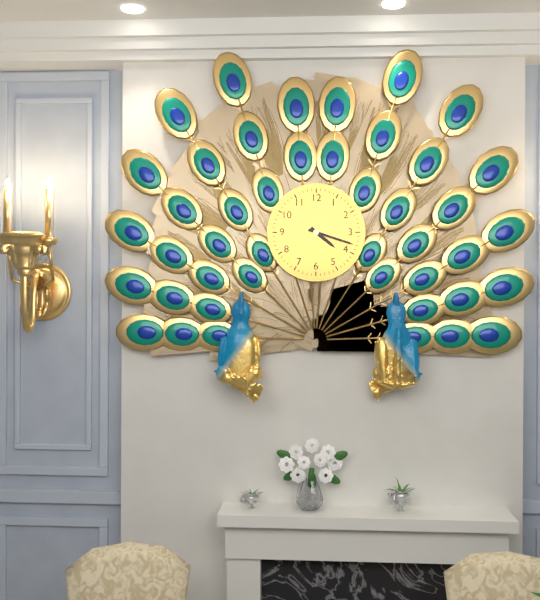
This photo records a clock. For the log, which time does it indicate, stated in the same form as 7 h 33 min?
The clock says 4 h 18 min
